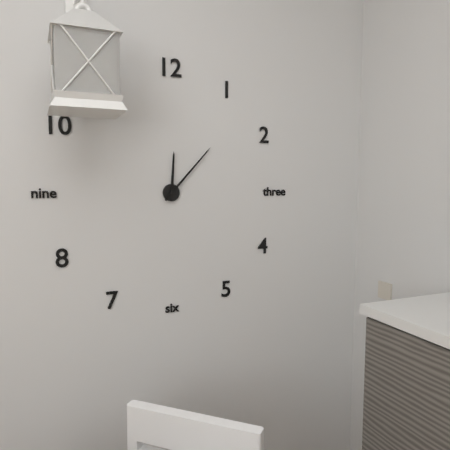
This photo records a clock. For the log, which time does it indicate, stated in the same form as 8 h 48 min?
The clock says 12 h 07 min
